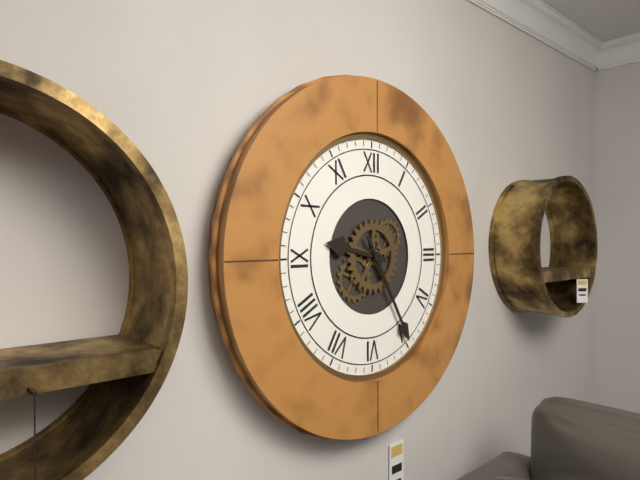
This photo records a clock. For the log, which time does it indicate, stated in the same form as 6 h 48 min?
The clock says 9 h 25 min
